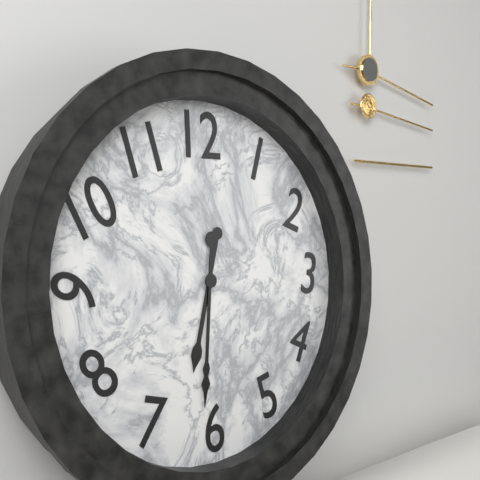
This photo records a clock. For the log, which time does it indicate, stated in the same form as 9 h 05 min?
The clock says 6 h 31 min
